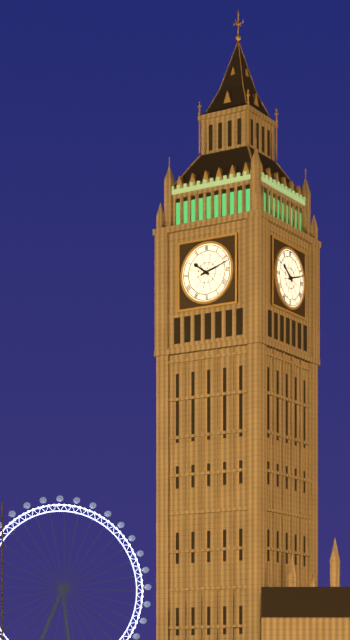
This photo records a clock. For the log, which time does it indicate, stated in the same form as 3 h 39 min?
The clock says 10 h 12 min
